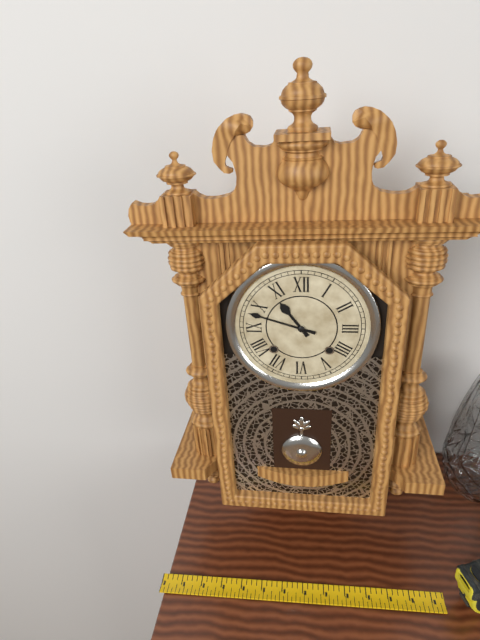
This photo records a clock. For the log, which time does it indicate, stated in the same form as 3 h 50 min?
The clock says 10 h 48 min
